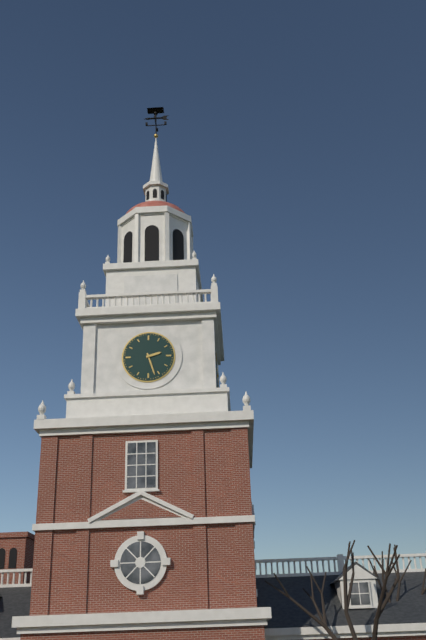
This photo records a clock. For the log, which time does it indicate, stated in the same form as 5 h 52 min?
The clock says 2 h 27 min
